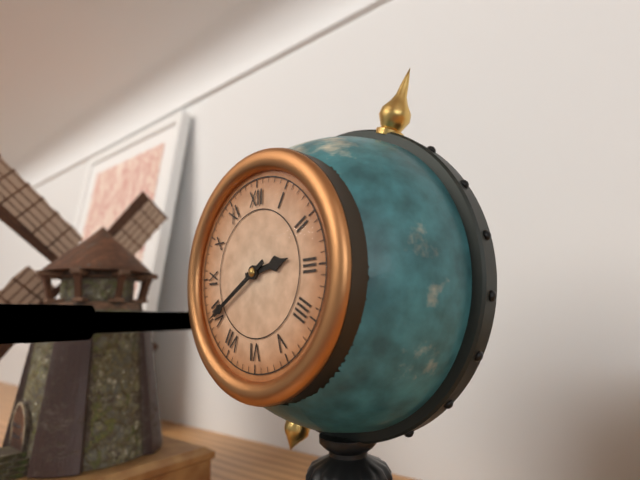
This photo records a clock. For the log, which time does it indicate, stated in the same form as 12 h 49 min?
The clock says 2 h 40 min
